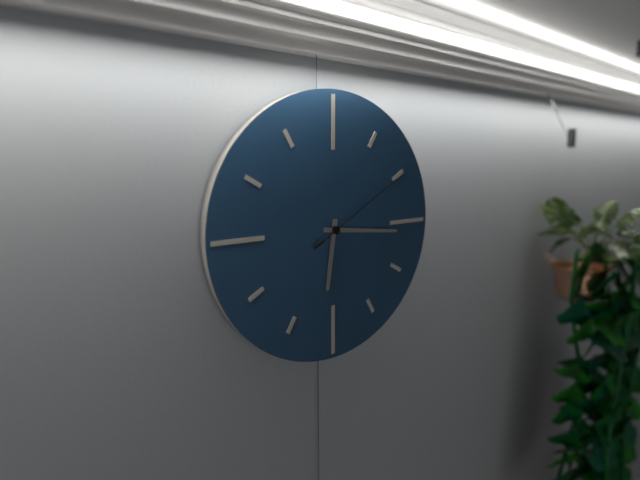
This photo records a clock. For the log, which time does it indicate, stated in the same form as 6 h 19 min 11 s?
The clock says 6 h 16 min 10 s
